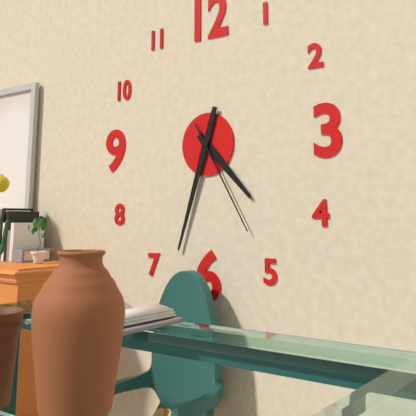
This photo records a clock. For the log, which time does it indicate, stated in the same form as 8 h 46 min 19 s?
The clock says 4 h 33 min 25 s
